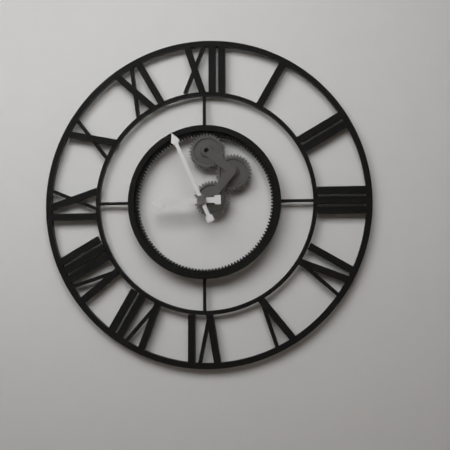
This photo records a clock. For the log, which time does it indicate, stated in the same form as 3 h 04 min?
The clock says 8 h 56 min
